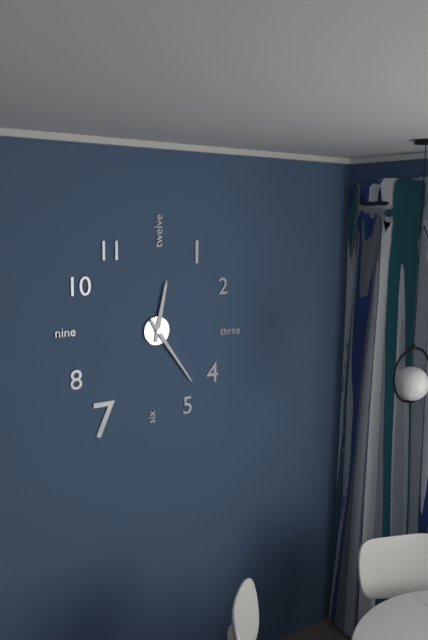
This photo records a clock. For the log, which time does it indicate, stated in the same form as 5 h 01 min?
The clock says 12 h 24 min
